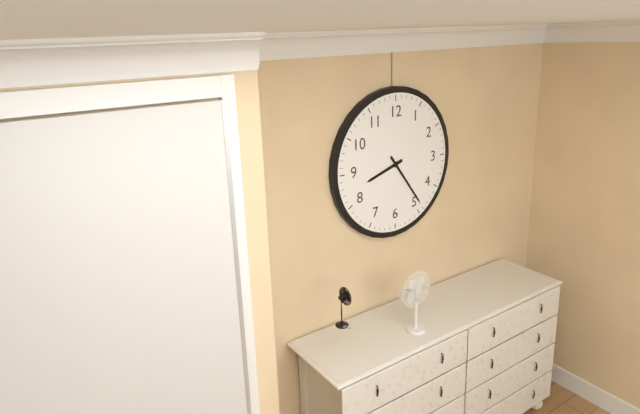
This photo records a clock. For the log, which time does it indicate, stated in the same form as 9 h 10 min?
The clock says 8 h 24 min
